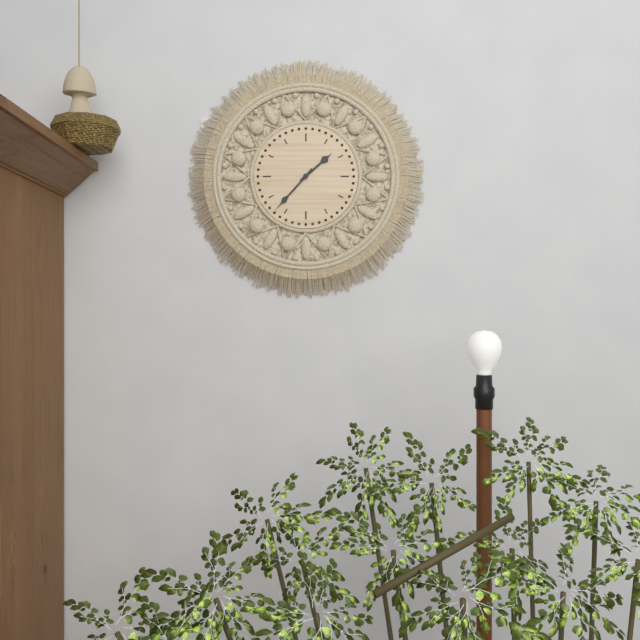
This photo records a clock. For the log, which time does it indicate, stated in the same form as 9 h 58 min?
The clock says 1 h 37 min
